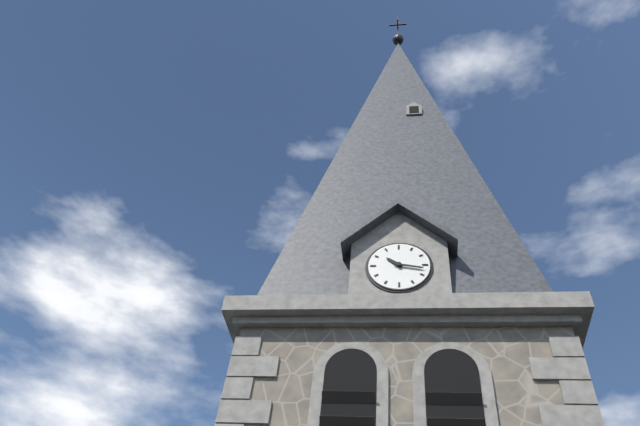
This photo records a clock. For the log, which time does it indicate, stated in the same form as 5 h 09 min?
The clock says 10 h 17 min
